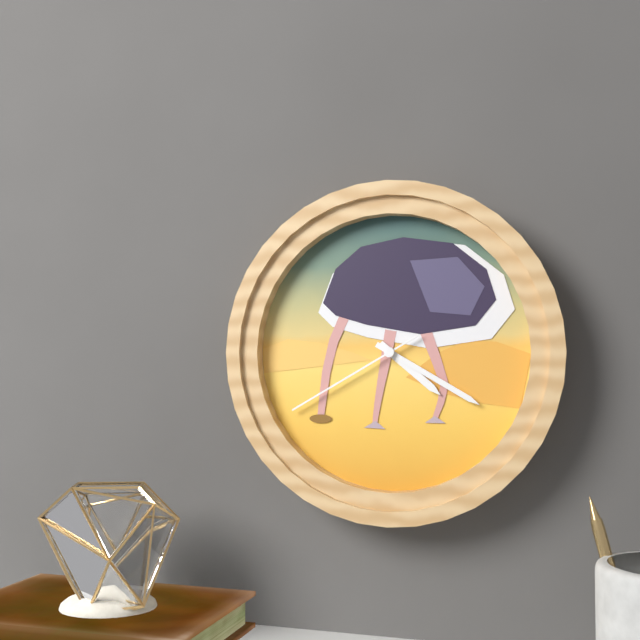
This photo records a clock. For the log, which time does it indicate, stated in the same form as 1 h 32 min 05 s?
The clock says 4 h 20 min 40 s
